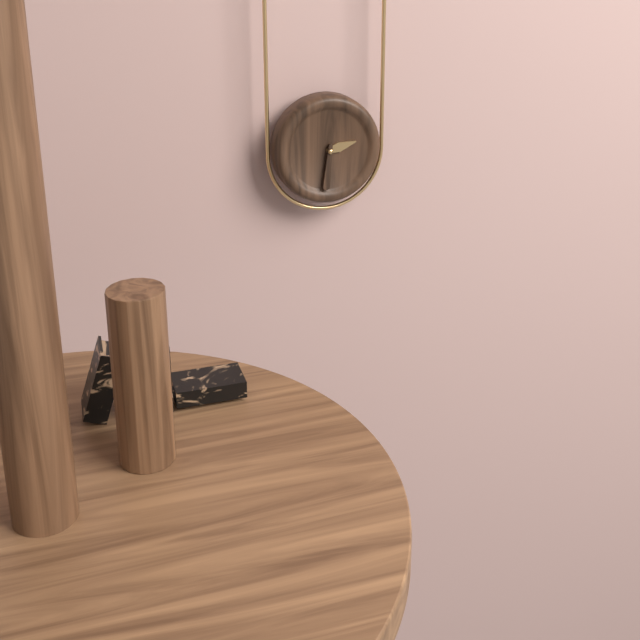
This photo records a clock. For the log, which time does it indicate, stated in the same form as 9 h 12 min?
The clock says 2 h 31 min
